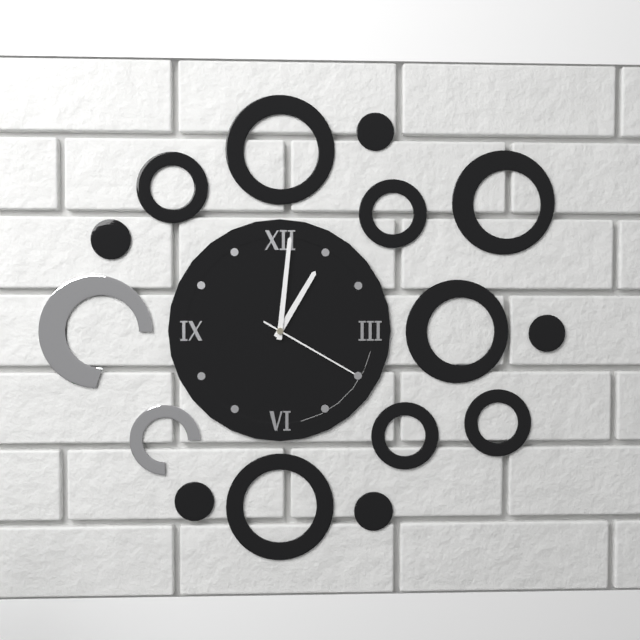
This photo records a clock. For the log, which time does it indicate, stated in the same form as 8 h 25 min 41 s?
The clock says 1 h 01 min 20 s
